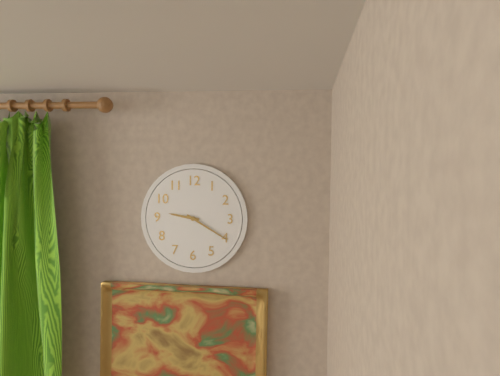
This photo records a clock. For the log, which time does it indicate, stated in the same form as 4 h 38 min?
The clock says 9 h 20 min
